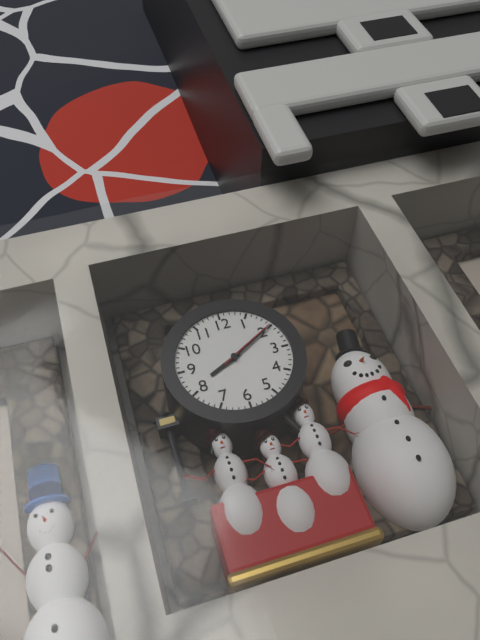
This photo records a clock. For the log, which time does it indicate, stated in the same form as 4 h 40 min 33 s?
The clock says 8 h 10 min 10 s
